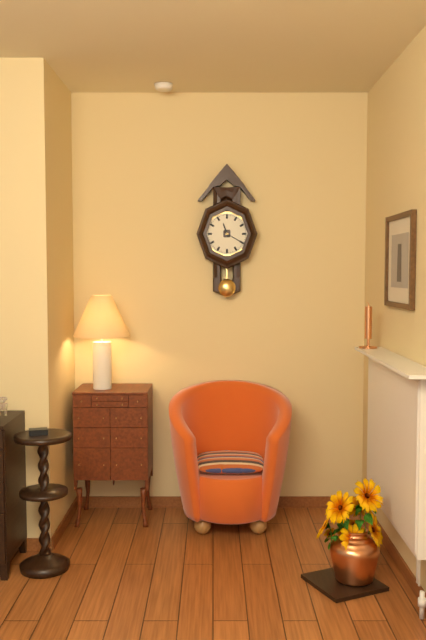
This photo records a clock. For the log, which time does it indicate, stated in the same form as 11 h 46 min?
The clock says 11 h 20 min
